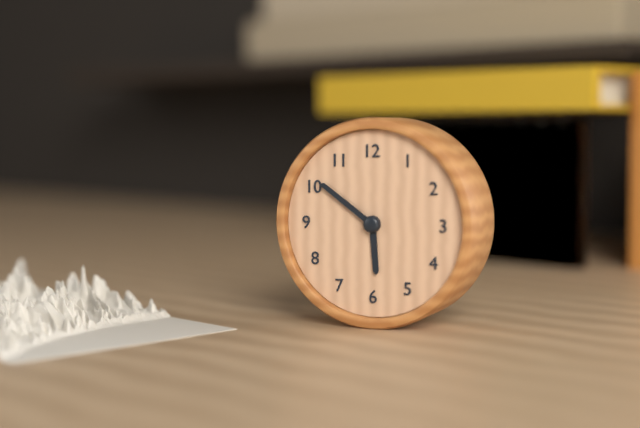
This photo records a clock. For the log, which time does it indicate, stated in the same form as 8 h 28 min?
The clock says 5 h 51 min
